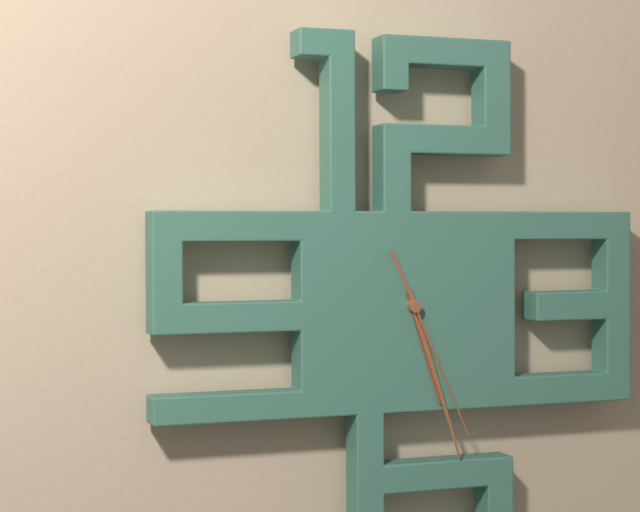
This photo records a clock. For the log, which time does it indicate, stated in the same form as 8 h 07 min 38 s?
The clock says 5 h 27 min 26 s
